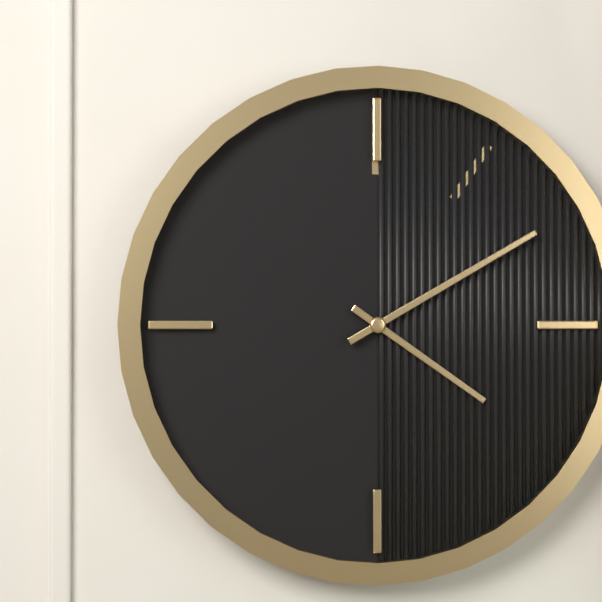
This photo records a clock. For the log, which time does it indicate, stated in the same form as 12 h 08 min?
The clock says 4 h 10 min
